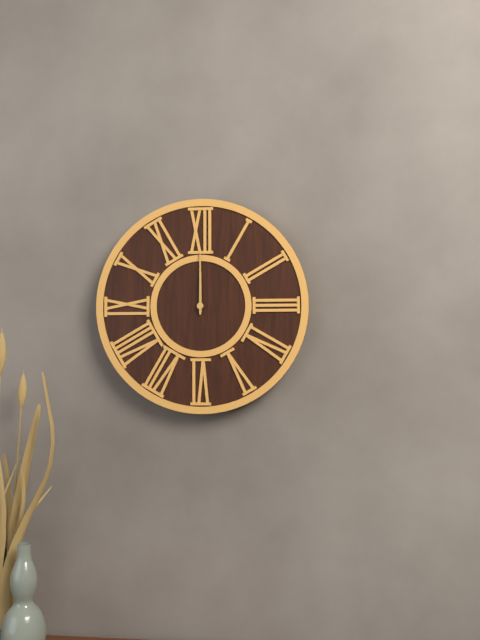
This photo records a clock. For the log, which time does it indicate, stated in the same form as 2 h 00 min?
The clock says 12 h 00 min
